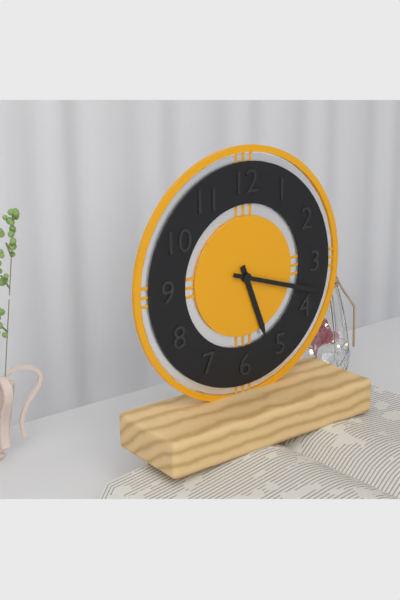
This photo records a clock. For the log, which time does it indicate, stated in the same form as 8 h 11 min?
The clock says 5 h 18 min
